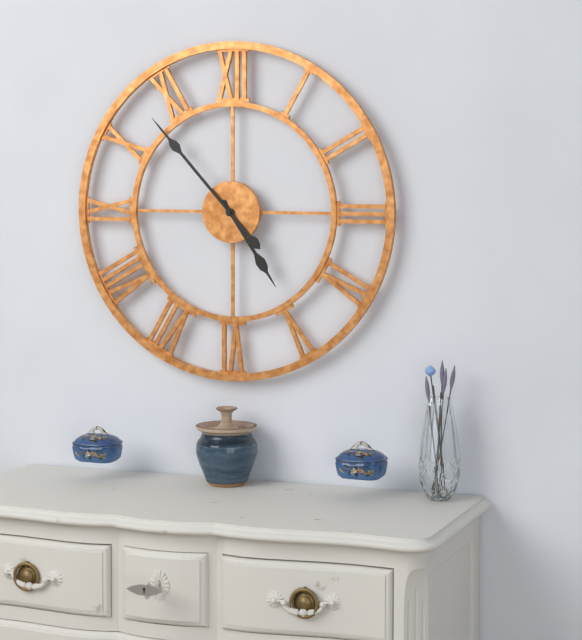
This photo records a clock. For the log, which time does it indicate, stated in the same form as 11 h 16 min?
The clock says 4 h 53 min
